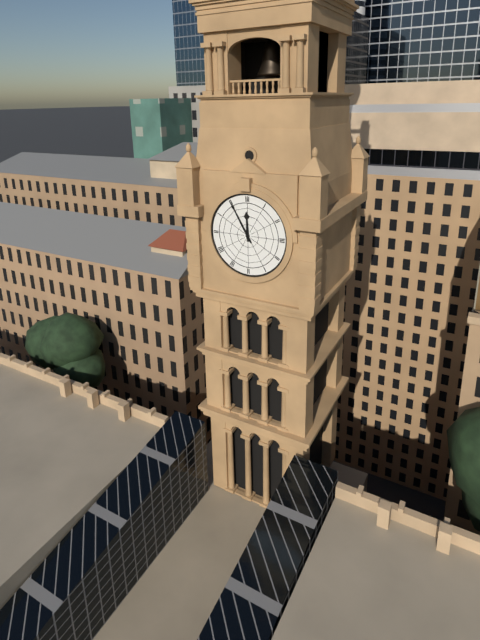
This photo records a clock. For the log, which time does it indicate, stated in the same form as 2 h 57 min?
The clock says 11 h 55 min
